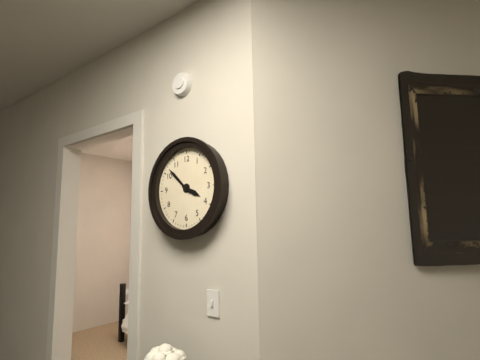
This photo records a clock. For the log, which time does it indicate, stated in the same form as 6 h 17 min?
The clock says 3 h 52 min
